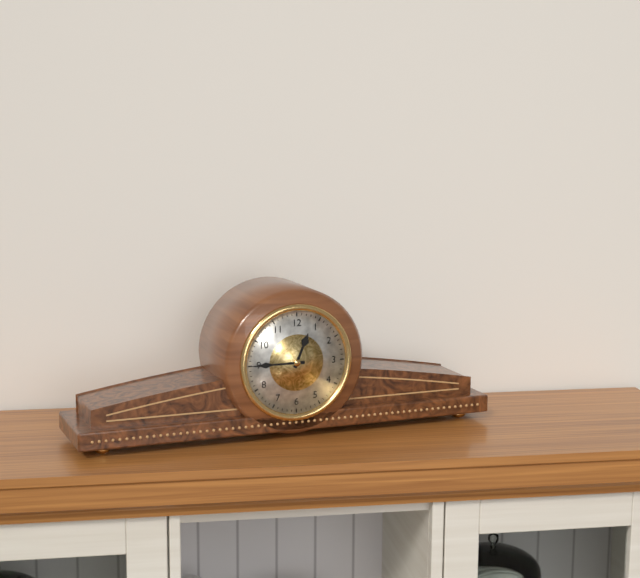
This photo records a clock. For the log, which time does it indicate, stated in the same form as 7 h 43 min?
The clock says 12 h 45 min
